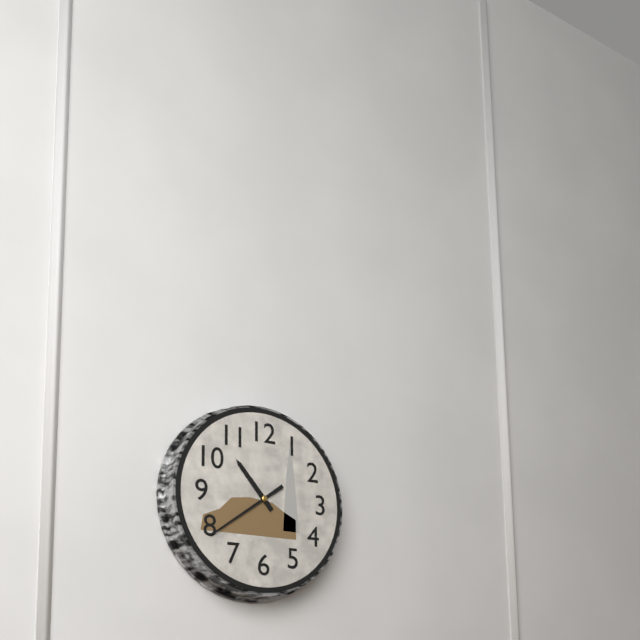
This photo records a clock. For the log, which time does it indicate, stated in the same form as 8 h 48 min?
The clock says 10 h 39 min
